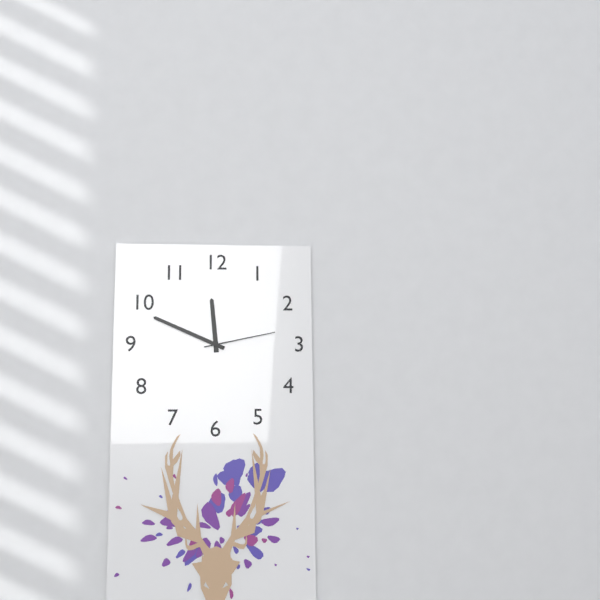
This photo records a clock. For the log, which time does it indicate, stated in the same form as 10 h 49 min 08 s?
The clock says 11 h 49 min 13 s
